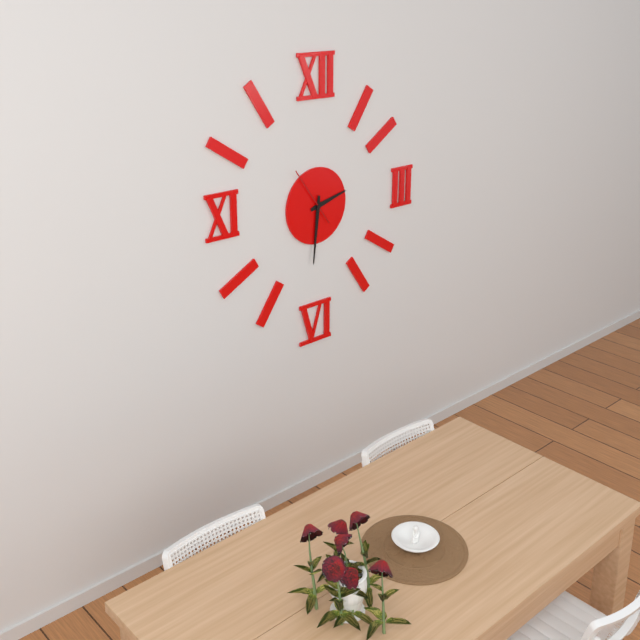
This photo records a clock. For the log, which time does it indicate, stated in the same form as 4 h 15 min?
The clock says 2 h 31 min
